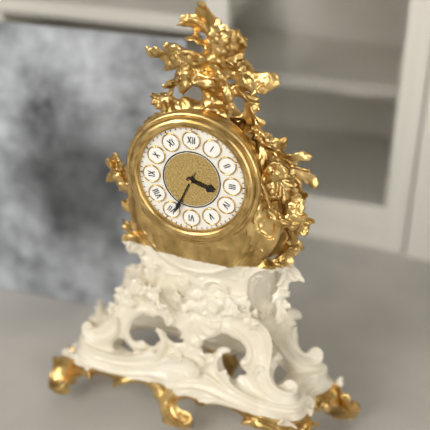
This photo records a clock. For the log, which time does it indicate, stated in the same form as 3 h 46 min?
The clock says 3 h 34 min
